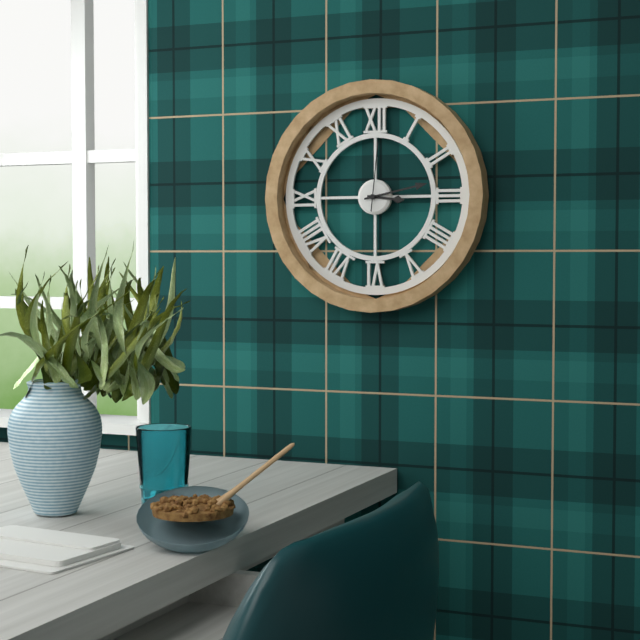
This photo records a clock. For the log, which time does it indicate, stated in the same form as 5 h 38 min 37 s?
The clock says 3 h 13 min 01 s
